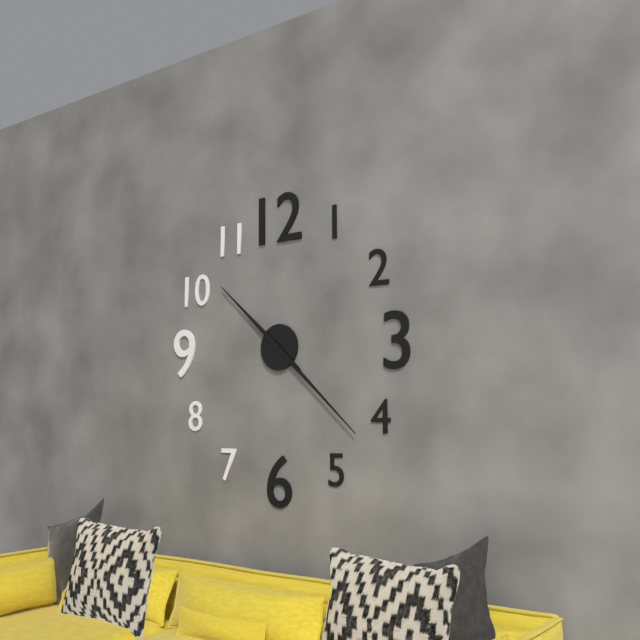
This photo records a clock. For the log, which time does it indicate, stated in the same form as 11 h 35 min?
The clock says 10 h 22 min
